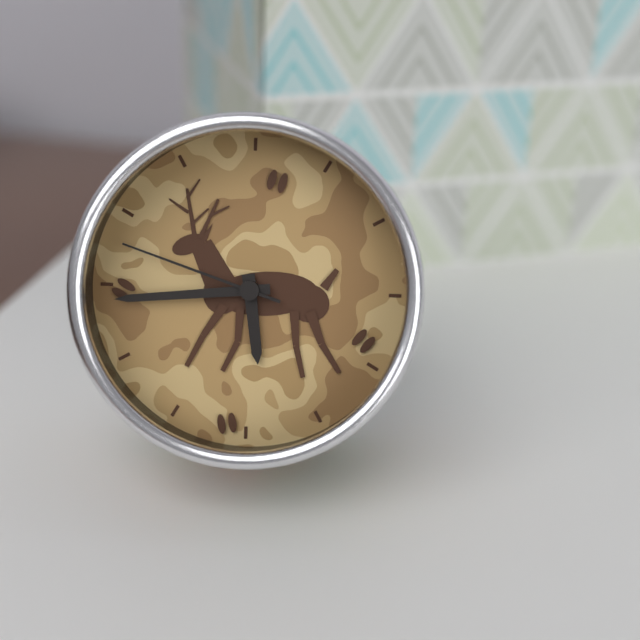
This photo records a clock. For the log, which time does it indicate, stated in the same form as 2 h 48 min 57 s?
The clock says 5 h 44 min 48 s
